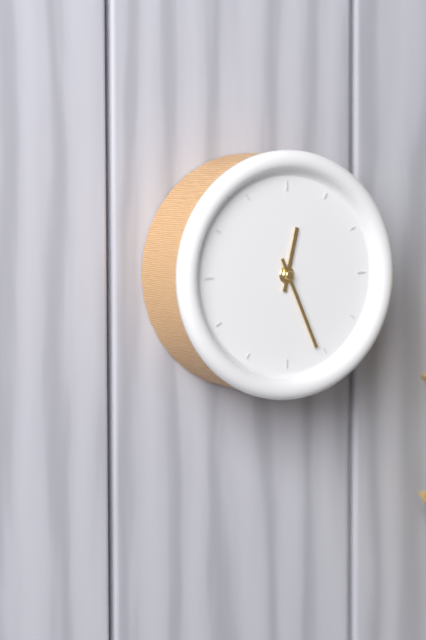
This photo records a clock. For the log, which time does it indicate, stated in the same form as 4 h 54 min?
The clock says 12 h 26 min
